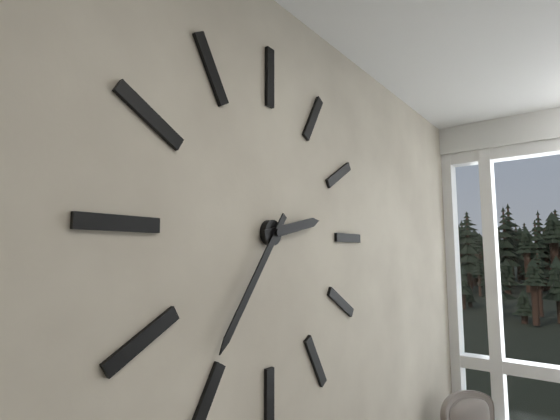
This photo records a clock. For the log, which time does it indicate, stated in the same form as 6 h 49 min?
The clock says 2 h 36 min
